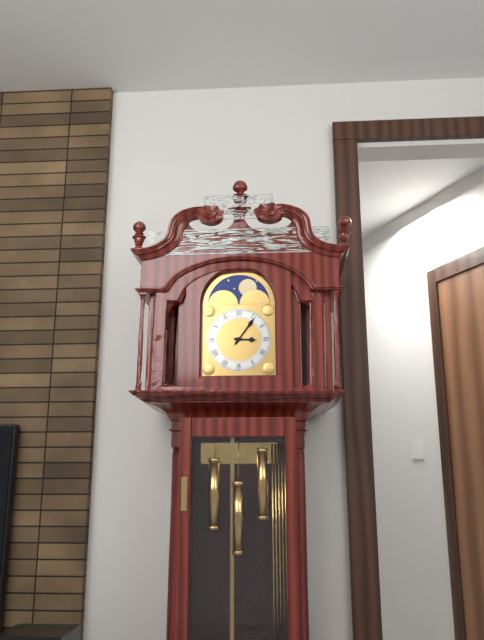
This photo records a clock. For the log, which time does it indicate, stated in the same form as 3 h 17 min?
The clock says 3 h 06 min
